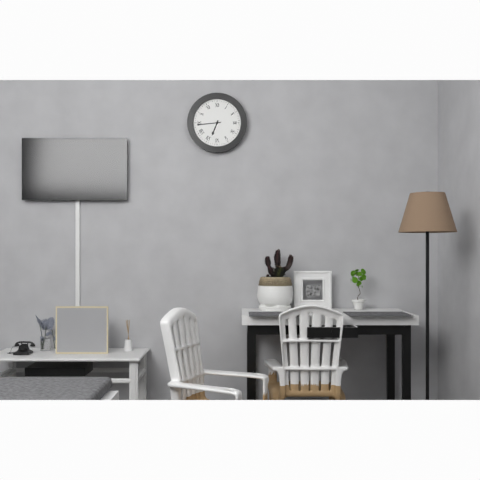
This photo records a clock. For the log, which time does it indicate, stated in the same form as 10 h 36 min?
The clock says 6 h 44 min
